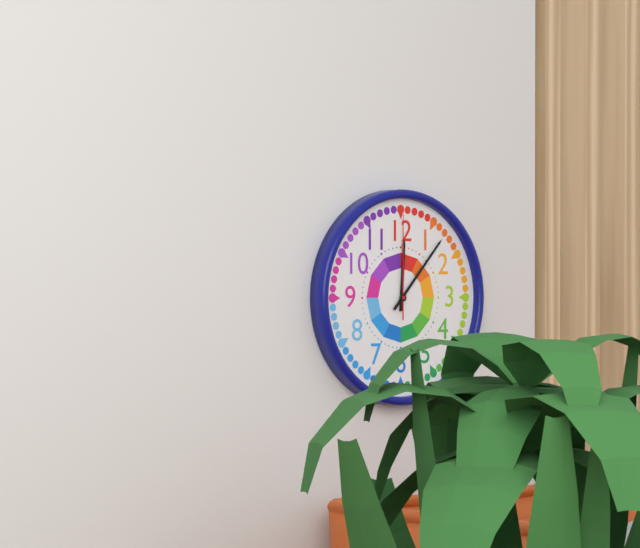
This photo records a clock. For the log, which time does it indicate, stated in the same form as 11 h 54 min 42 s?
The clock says 12 h 07 min 00 s
